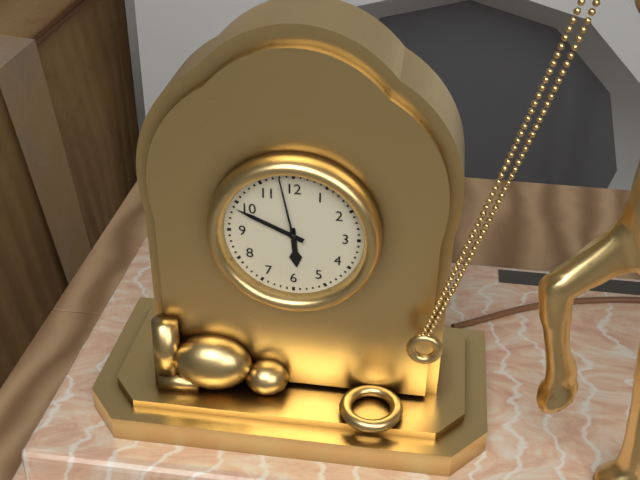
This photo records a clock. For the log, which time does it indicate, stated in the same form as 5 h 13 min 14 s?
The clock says 5 h 49 min 58 s
